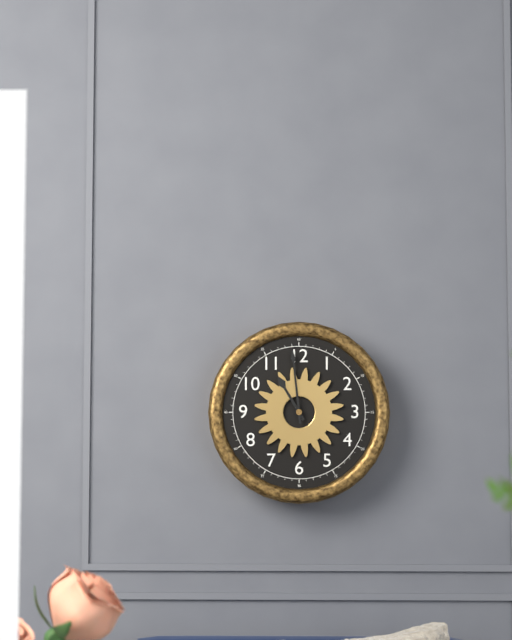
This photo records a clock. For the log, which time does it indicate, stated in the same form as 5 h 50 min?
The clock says 10 h 59 min
